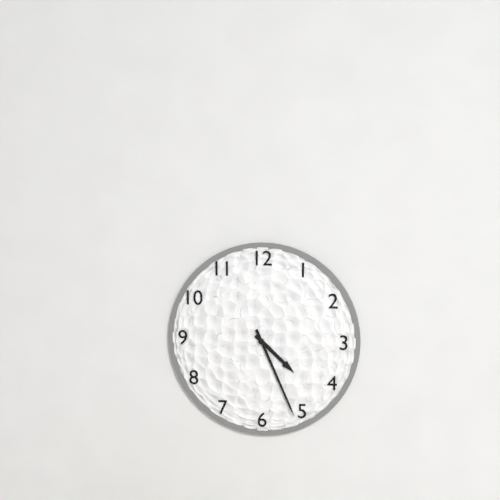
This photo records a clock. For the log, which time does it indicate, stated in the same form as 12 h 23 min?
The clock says 4 h 26 min
